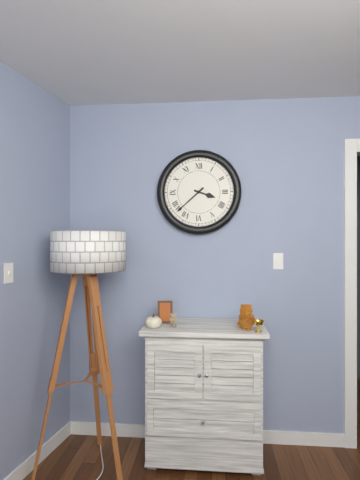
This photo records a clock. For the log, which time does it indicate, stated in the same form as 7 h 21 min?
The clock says 3 h 38 min
